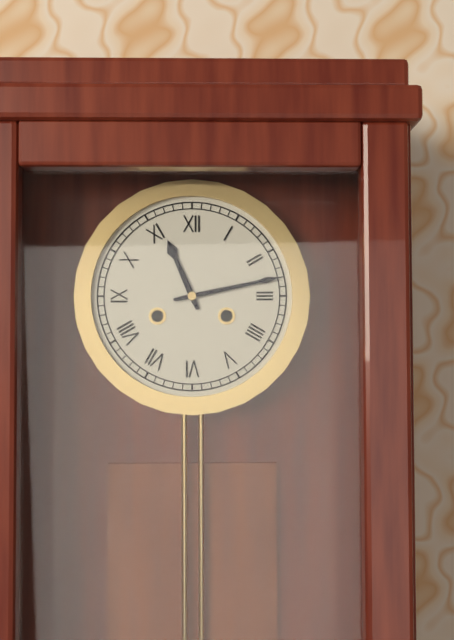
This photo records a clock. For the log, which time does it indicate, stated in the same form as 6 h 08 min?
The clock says 11 h 13 min
